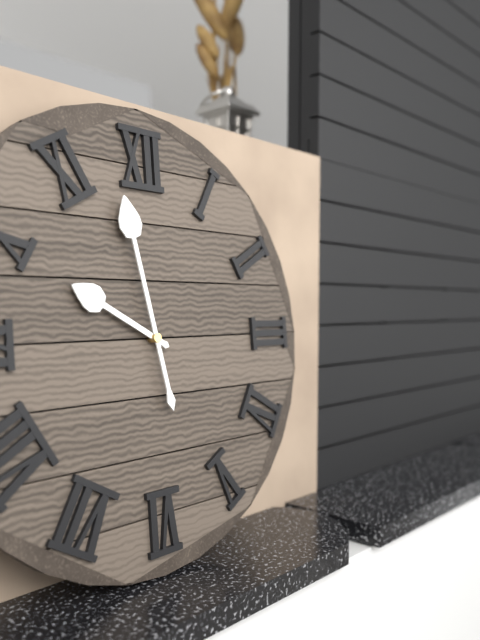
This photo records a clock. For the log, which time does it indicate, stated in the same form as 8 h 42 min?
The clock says 9 h 58 min
